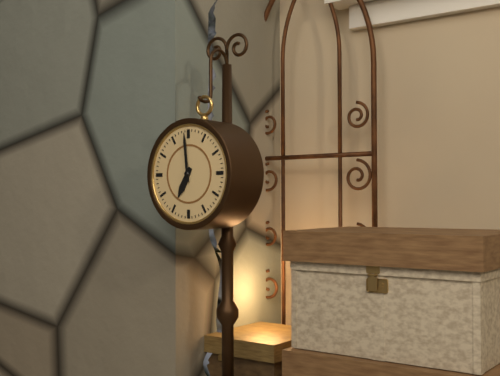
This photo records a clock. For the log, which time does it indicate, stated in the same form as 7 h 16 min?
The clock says 6 h 59 min
